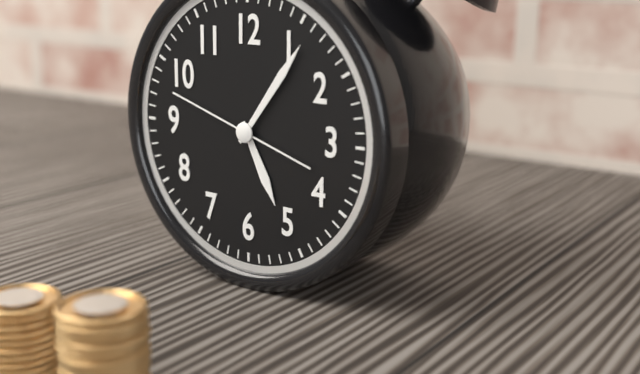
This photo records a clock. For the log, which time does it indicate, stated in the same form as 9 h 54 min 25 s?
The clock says 5 h 06 min 48 s
